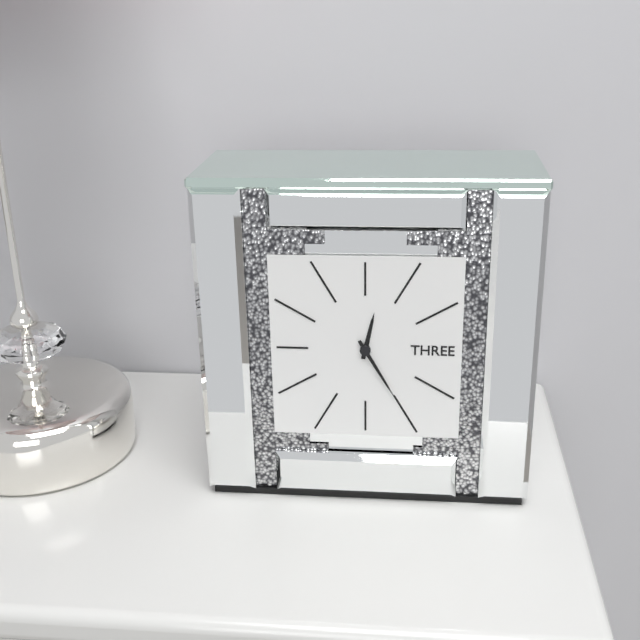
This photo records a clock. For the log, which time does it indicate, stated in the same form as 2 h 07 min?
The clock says 12 h 25 min
